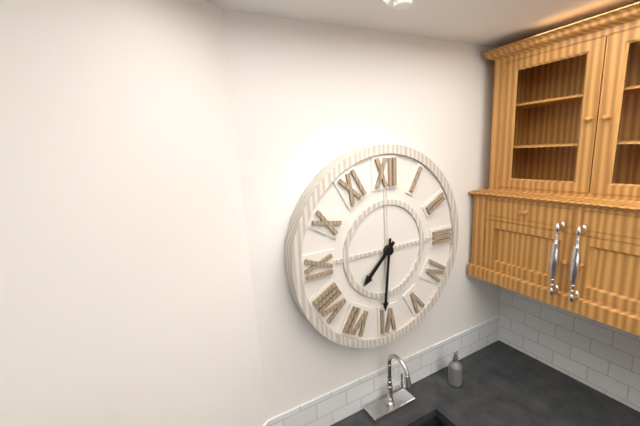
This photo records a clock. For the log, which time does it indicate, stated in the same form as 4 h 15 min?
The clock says 7 h 31 min
